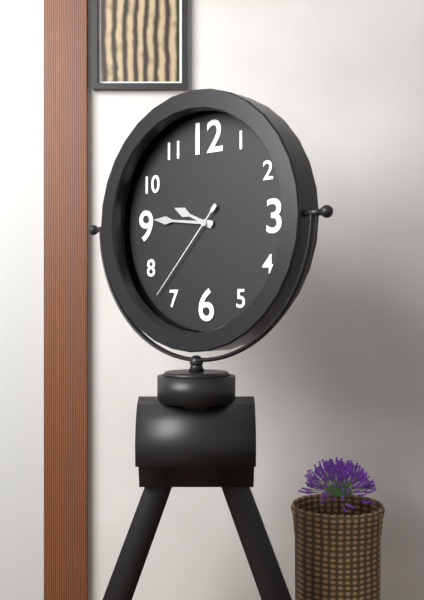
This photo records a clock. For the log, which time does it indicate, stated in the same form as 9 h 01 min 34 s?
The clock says 9 h 46 min 37 s
